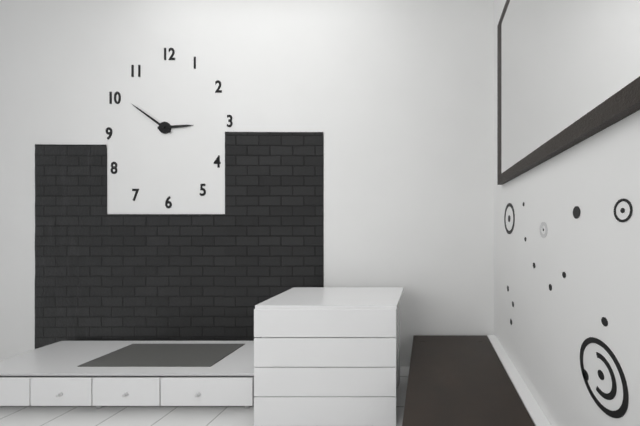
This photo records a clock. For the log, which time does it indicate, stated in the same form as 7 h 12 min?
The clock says 2 h 51 min
